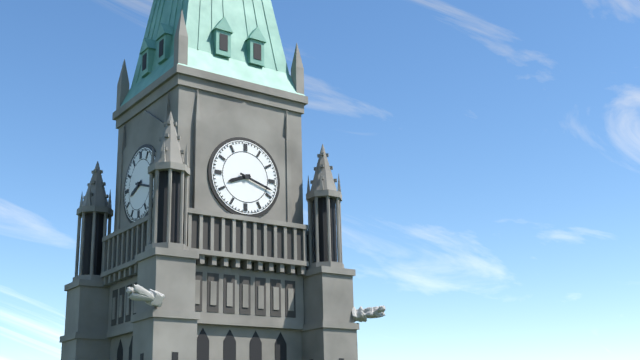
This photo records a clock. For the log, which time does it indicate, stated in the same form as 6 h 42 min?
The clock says 8 h 18 min
